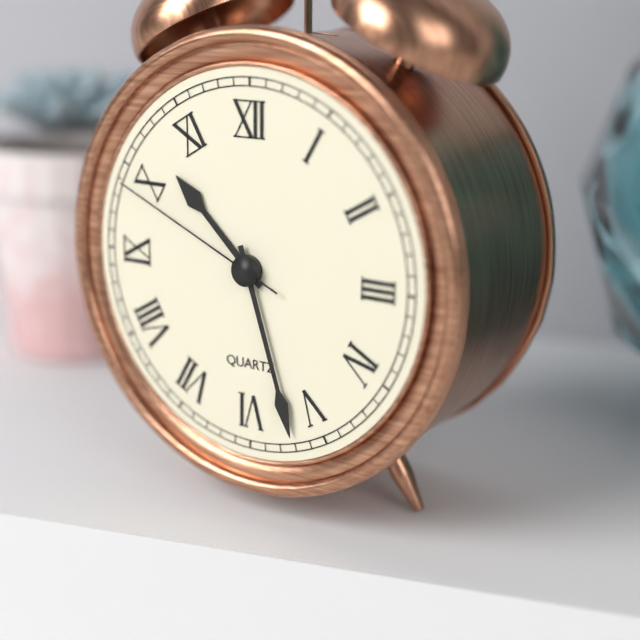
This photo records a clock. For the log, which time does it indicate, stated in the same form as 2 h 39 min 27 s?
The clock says 10 h 27 min 49 s
